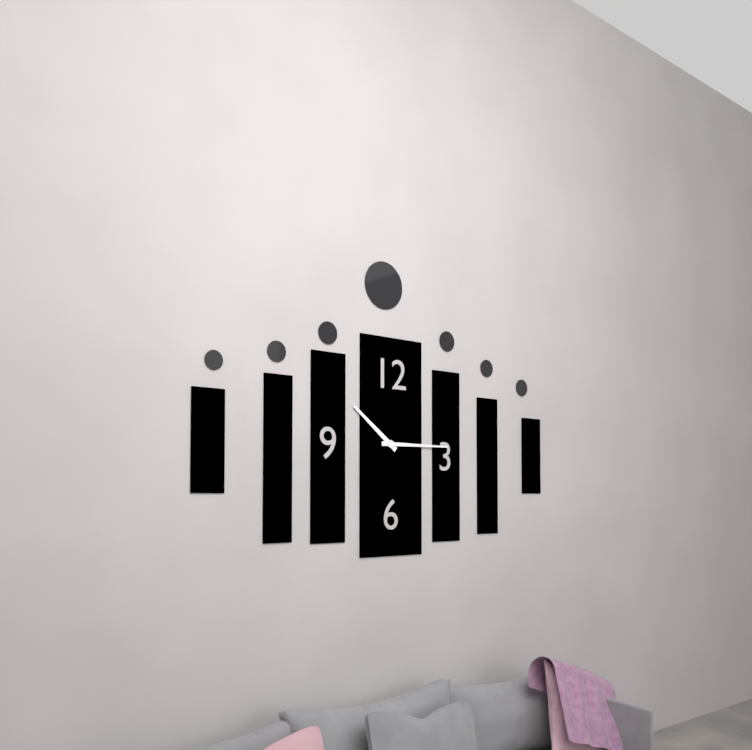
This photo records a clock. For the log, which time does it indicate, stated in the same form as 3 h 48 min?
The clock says 10 h 15 min
